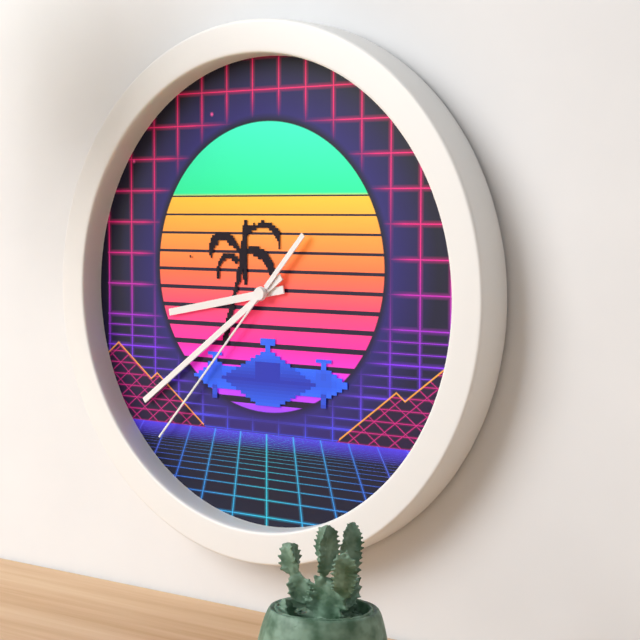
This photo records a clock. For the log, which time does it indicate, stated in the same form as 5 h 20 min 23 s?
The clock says 8 h 39 min 37 s
